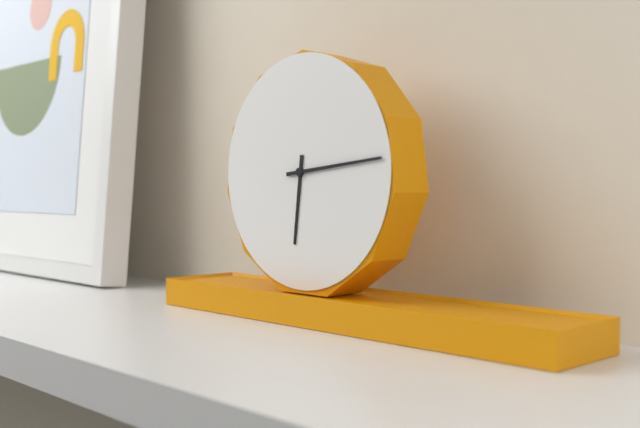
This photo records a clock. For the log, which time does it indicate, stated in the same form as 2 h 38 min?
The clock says 6 h 14 min
